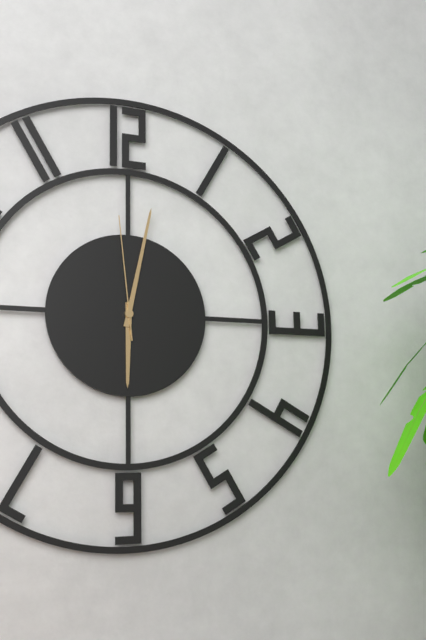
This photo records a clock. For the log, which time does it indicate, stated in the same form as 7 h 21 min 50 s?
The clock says 6 h 02 min 59 s
